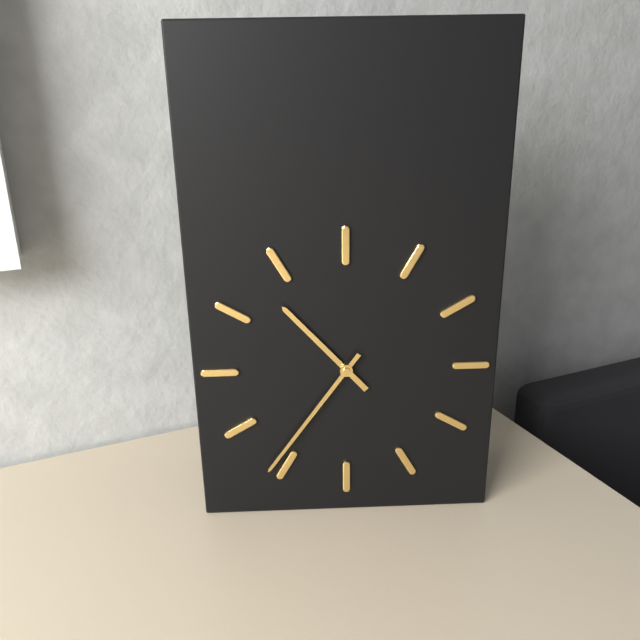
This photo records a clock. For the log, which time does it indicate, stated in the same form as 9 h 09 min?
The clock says 10 h 36 min
